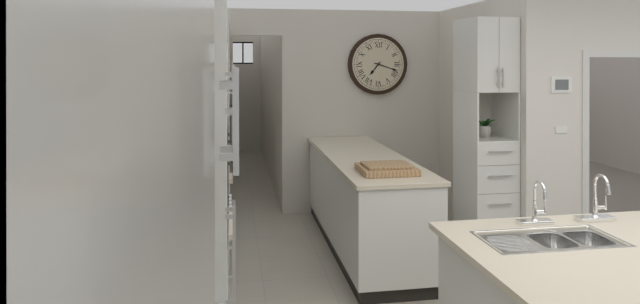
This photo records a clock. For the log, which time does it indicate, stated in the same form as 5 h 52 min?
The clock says 7 h 18 min
